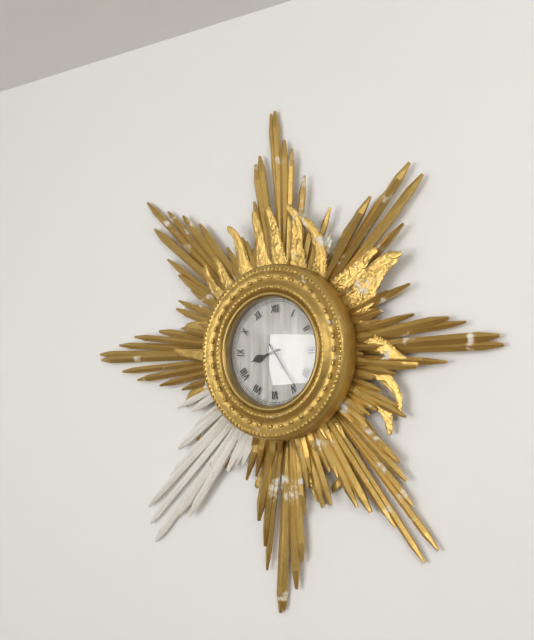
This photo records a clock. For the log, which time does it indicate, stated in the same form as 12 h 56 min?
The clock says 8 h 24 min
